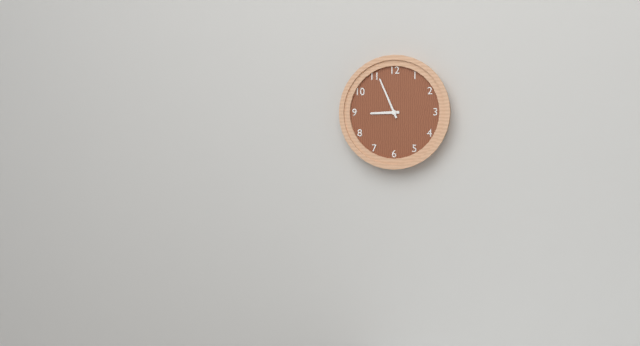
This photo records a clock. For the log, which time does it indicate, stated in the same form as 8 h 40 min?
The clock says 8 h 56 min
